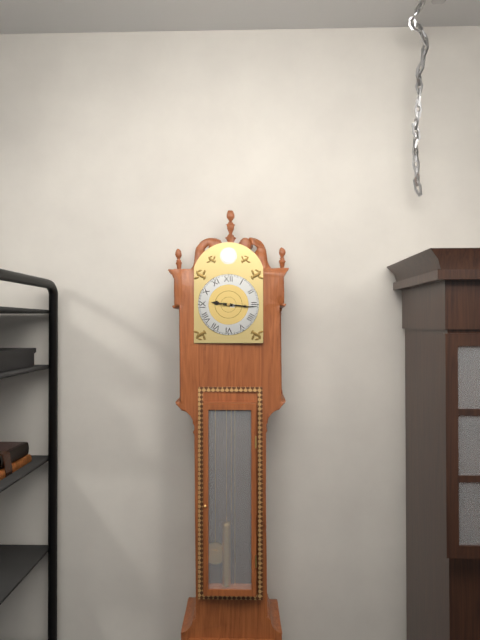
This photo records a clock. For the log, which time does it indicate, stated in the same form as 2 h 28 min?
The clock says 9 h 16 min
